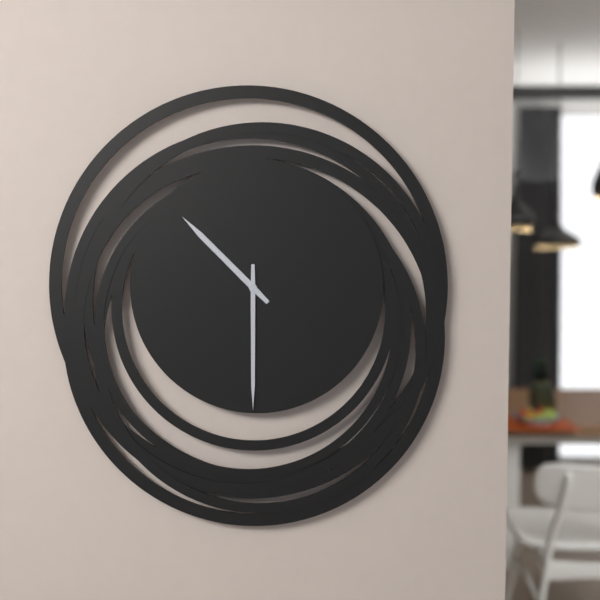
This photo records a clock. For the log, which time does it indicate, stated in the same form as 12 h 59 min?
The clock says 10 h 30 min
